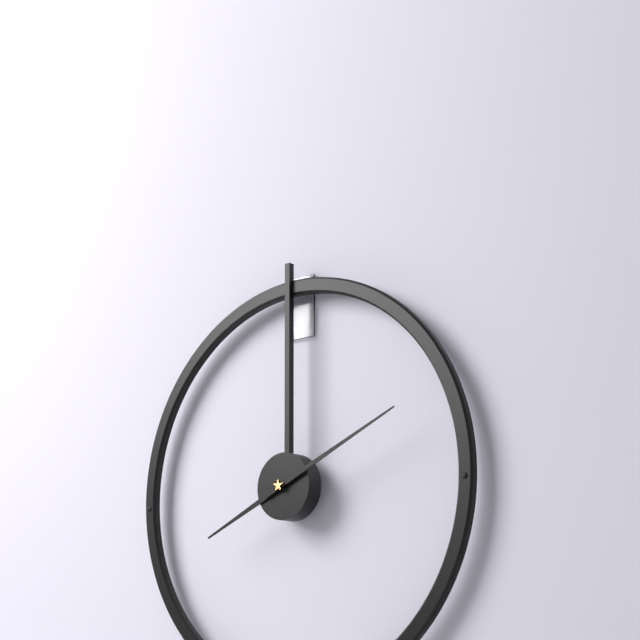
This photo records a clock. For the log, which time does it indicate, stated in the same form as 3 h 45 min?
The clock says 8 h 11 min
